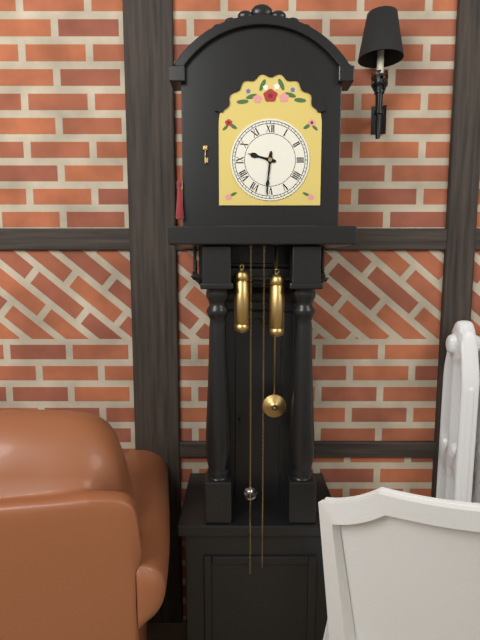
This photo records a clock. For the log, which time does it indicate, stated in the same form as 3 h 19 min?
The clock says 9 h 31 min
